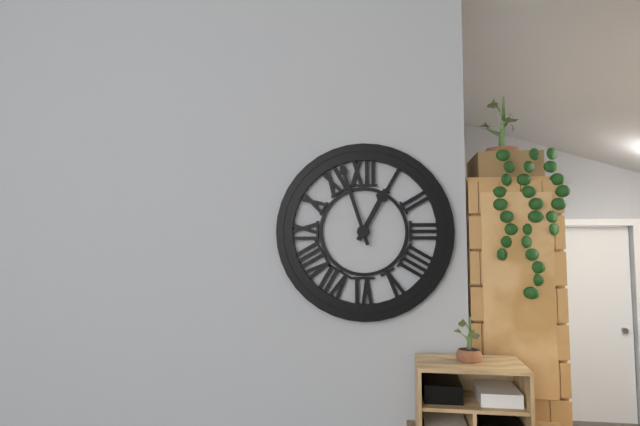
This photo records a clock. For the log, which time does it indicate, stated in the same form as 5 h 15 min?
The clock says 12 h 57 min
